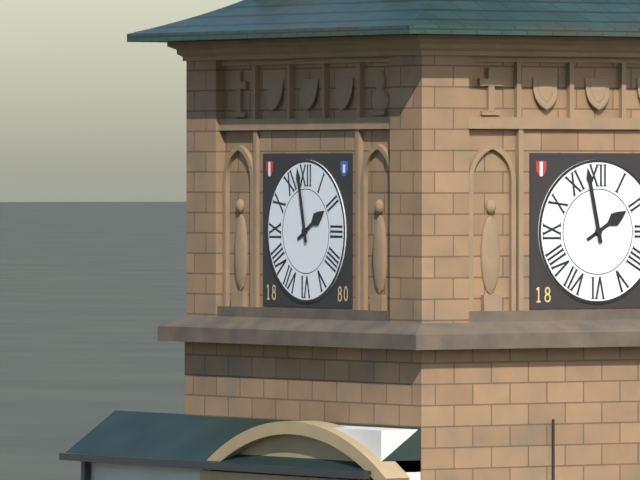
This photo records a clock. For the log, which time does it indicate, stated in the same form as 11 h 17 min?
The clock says 1 h 58 min
